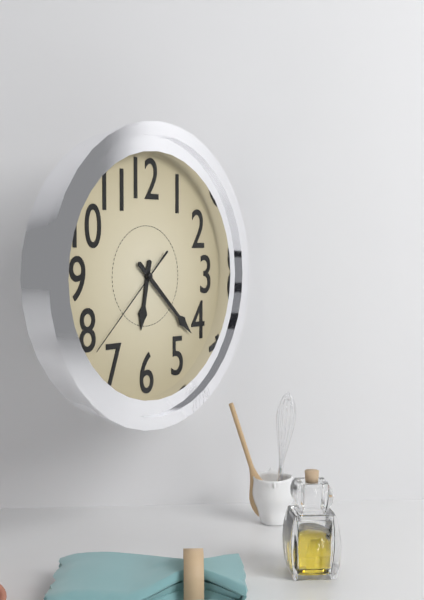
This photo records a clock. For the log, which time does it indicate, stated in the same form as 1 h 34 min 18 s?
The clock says 6 h 22 min 38 s
